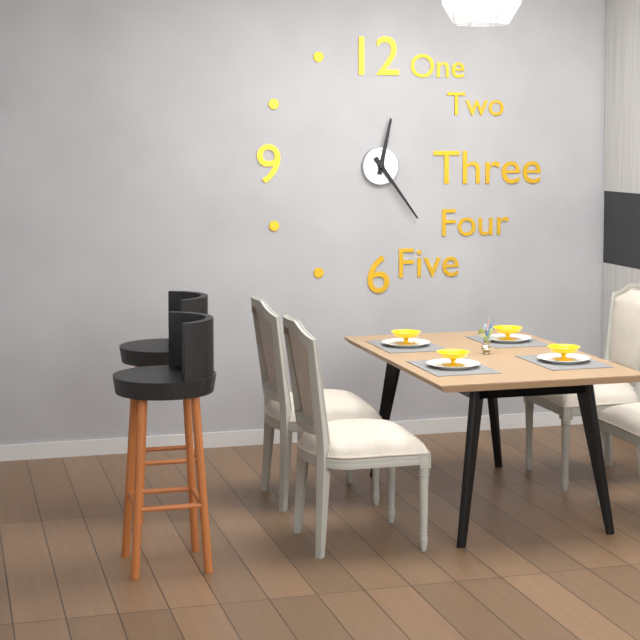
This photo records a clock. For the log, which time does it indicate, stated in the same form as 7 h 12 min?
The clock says 12 h 24 min
